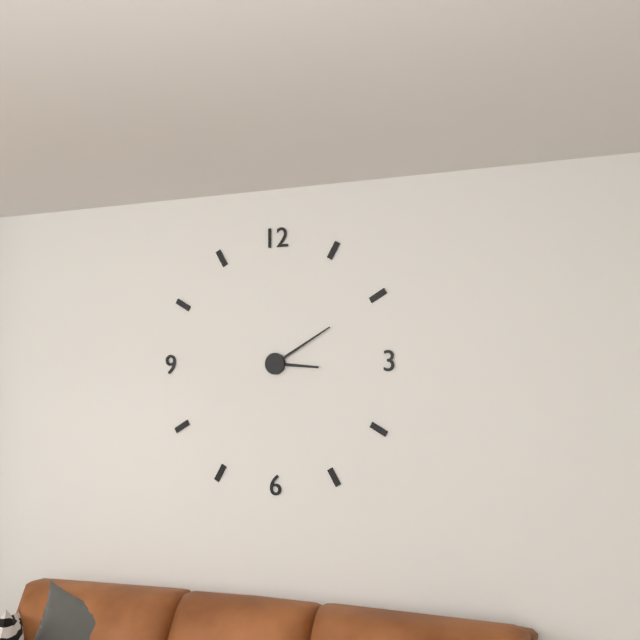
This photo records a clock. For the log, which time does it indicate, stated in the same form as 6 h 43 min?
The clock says 3 h 10 min
